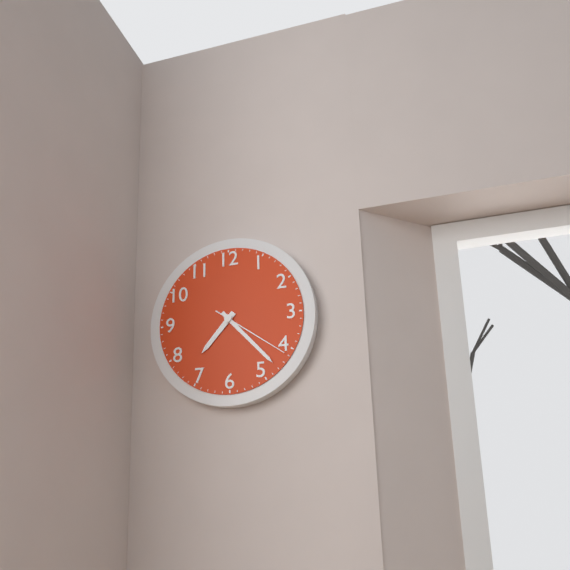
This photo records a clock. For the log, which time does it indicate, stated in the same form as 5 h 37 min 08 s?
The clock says 7 h 23 min 21 s
